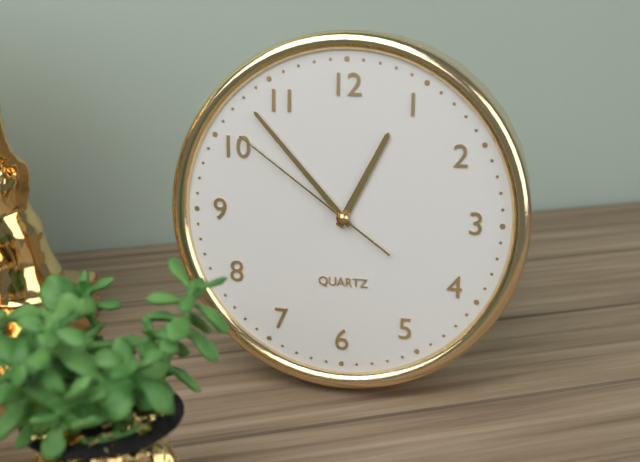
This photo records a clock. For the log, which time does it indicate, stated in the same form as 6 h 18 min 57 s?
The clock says 12 h 53 min 51 s
